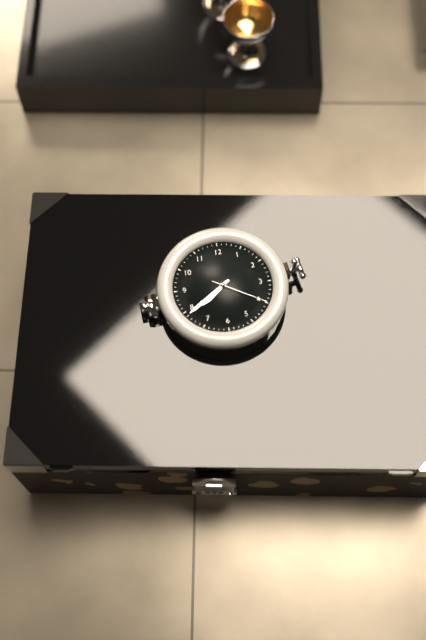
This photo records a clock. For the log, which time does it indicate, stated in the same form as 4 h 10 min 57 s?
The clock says 7 h 39 min 20 s
